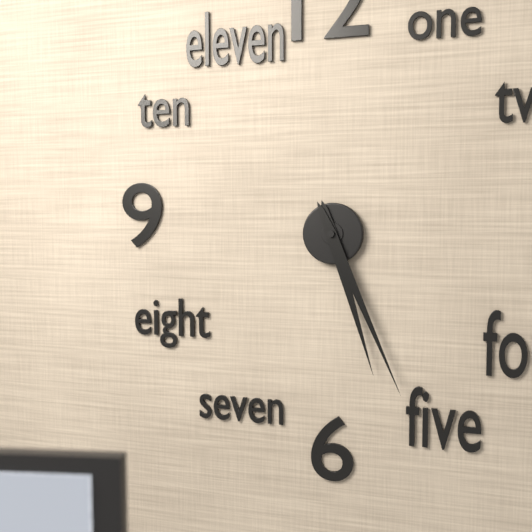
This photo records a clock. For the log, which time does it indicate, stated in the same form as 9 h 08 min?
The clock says 5 h 26 min
